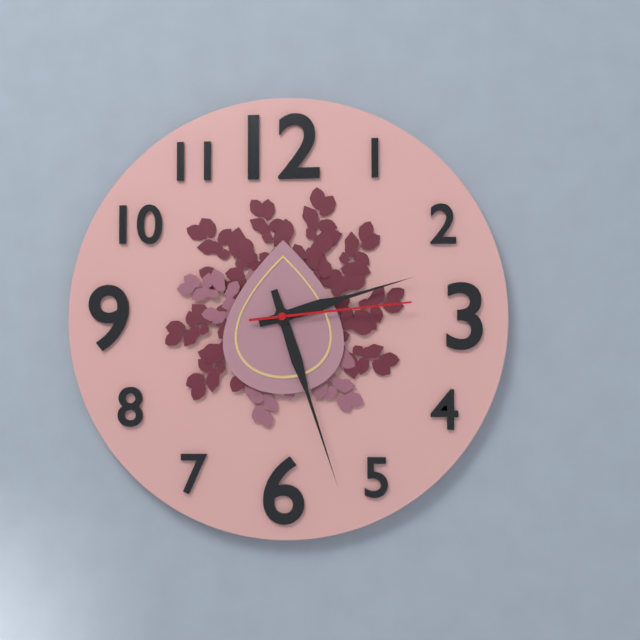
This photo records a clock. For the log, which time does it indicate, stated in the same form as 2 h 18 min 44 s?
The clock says 2 h 27 min 14 s
